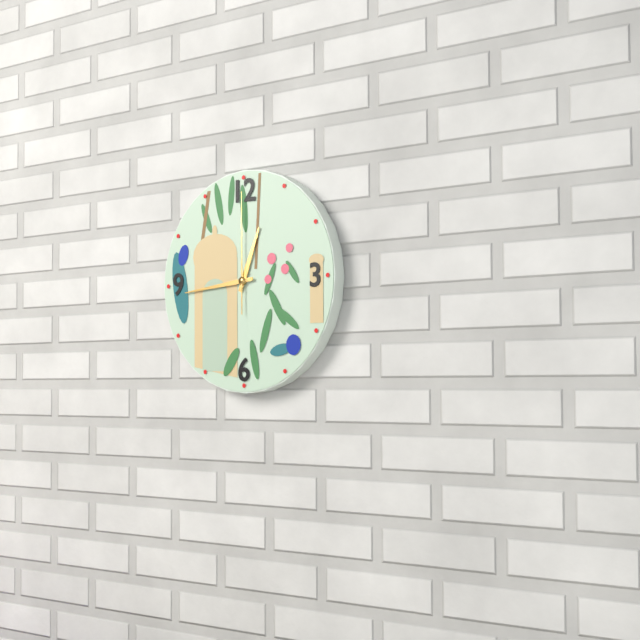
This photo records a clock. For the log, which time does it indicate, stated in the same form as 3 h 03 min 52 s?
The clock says 12 h 44 min 00 s
